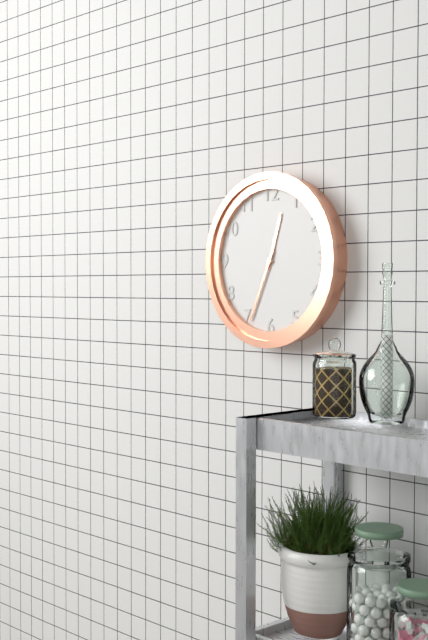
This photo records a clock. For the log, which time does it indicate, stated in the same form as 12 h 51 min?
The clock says 12 h 34 min
